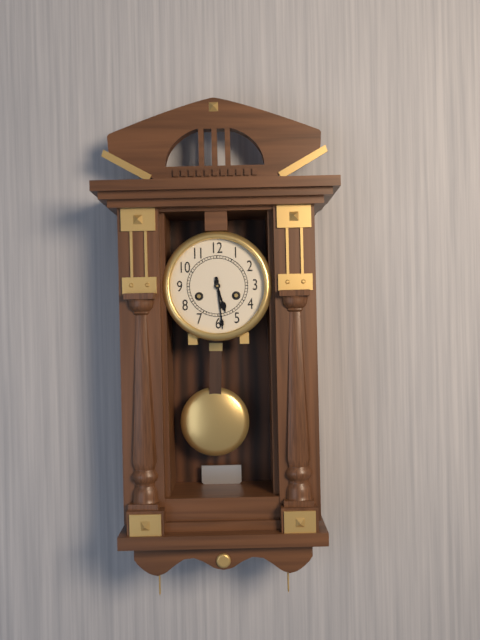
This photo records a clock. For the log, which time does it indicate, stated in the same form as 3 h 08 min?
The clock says 5 h 29 min
